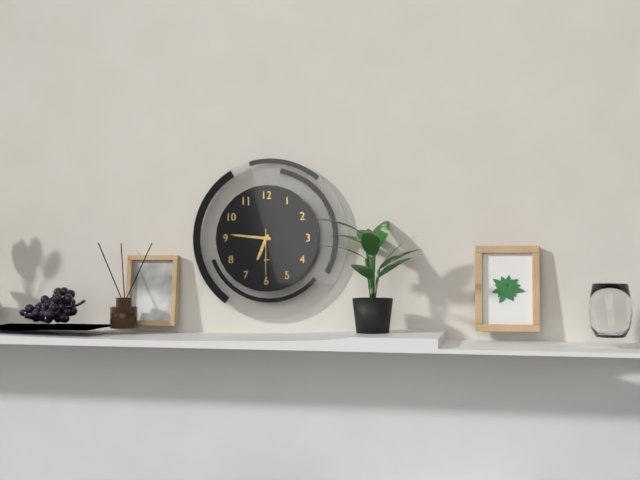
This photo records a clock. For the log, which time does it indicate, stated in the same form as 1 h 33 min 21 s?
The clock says 6 h 46 min 30 s
